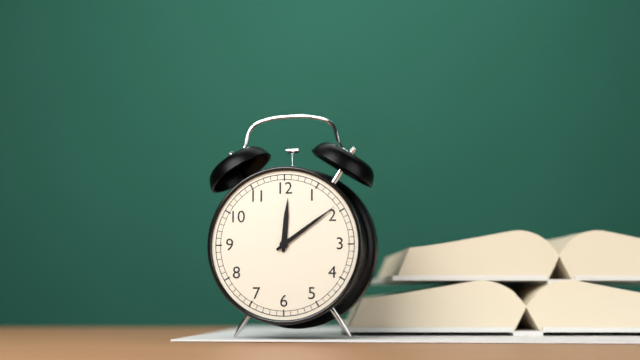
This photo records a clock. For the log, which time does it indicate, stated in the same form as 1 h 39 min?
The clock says 12 h 09 min
